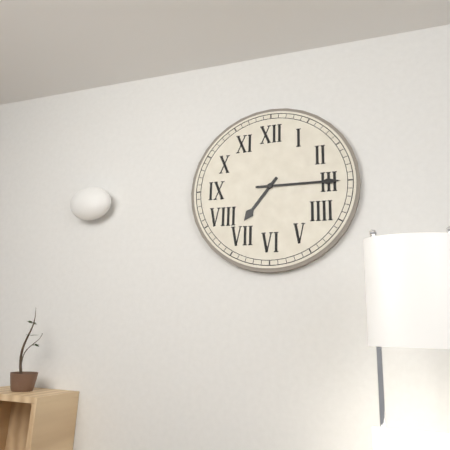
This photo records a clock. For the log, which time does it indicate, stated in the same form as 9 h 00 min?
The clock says 7 h 15 min
